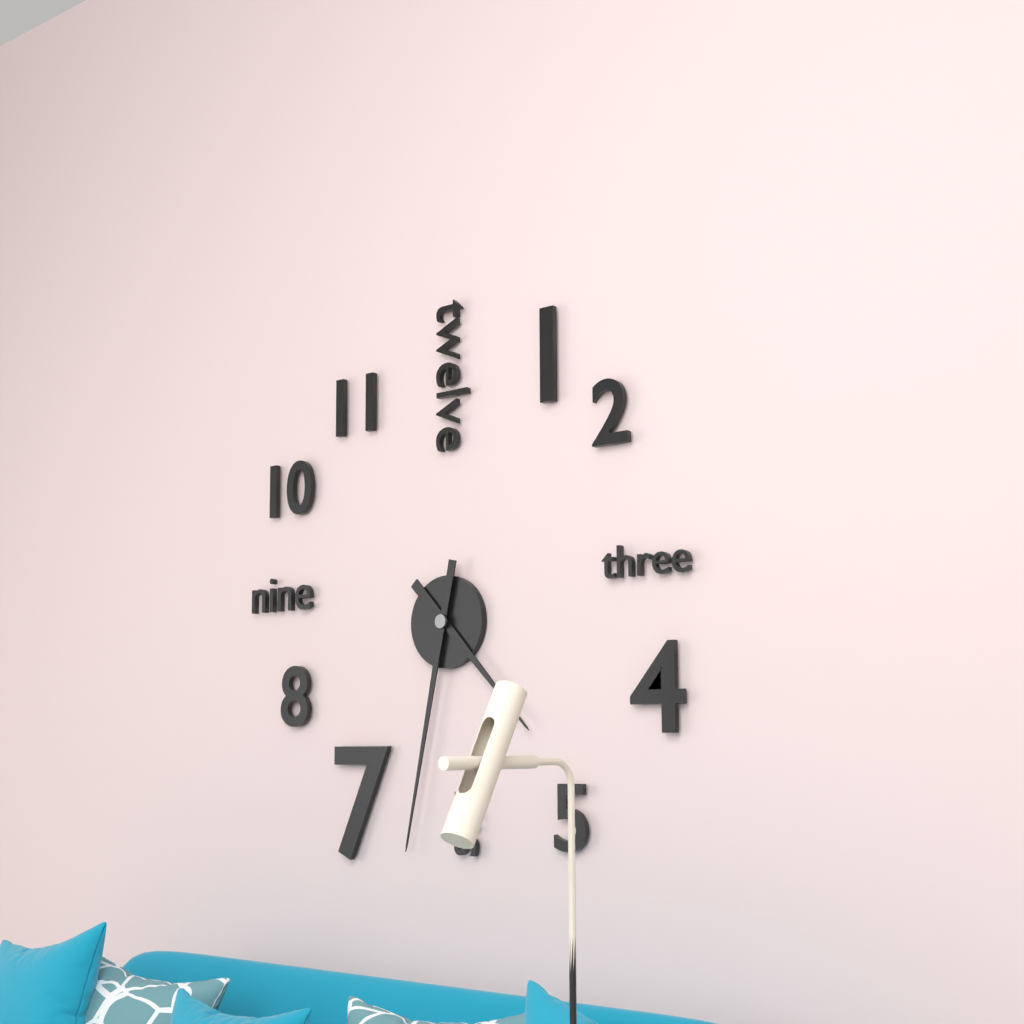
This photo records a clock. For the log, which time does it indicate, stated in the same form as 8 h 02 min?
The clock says 4 h 32 min
